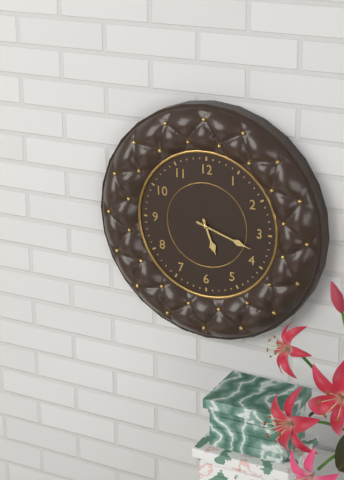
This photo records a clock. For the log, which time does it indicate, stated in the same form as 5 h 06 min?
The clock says 5 h 18 min
